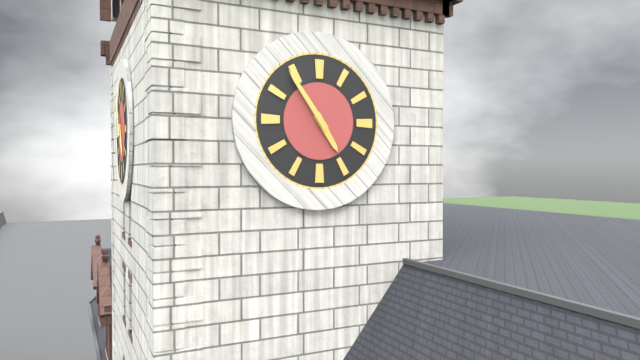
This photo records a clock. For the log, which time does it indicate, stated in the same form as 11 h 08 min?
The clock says 4 h 54 min
